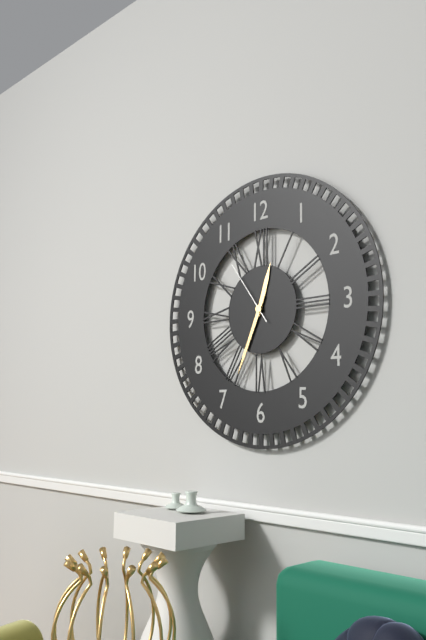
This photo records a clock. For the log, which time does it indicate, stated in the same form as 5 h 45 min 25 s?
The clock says 12 h 34 min 54 s
